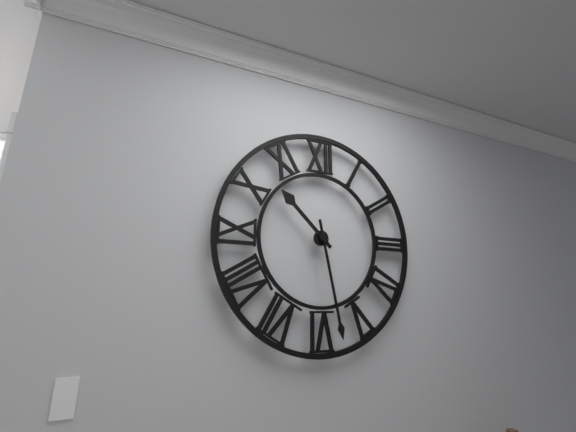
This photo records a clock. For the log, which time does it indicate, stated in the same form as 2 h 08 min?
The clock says 10 h 28 min
